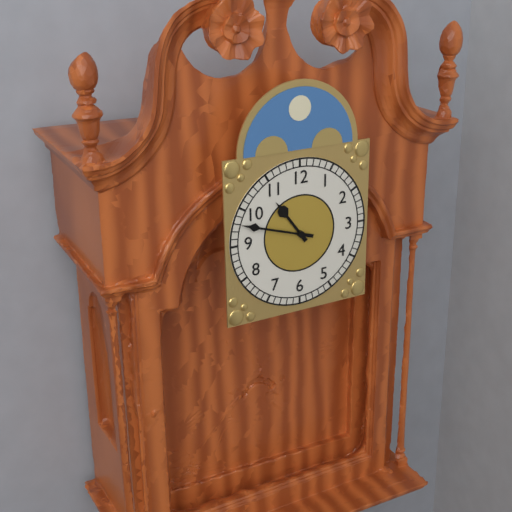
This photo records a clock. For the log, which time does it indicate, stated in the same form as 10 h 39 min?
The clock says 10 h 48 min
